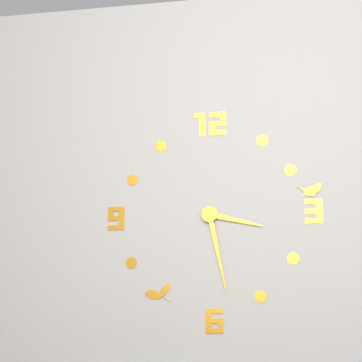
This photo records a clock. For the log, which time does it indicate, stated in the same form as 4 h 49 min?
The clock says 3 h 28 min
